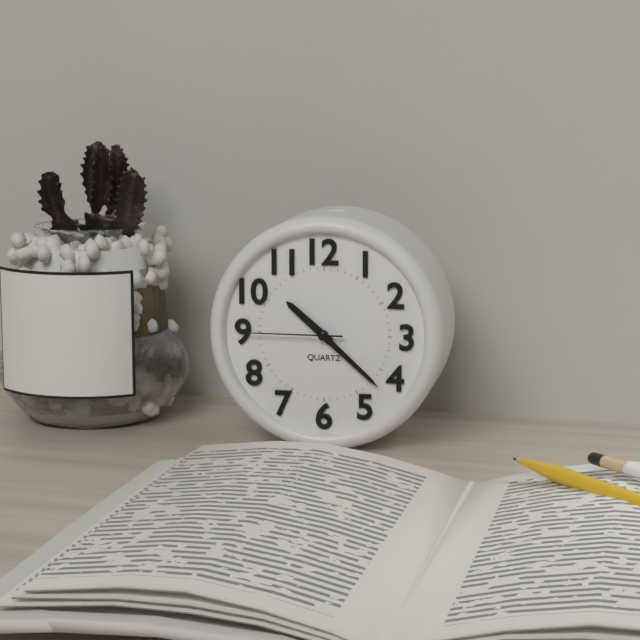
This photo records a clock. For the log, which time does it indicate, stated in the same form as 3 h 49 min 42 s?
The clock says 10 h 22 min 45 s
